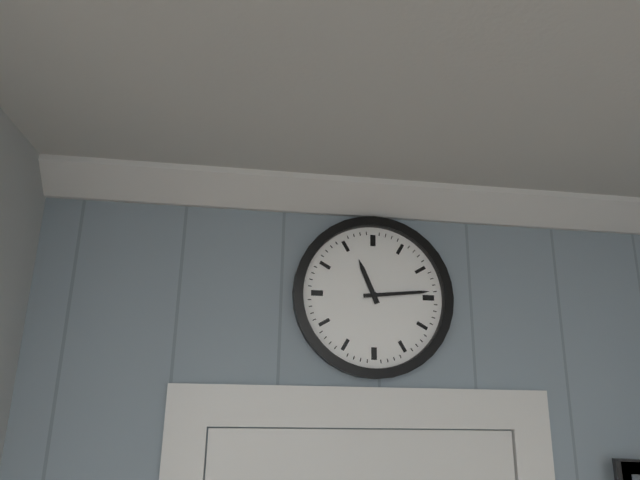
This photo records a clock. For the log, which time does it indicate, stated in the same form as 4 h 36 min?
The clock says 11 h 14 min
